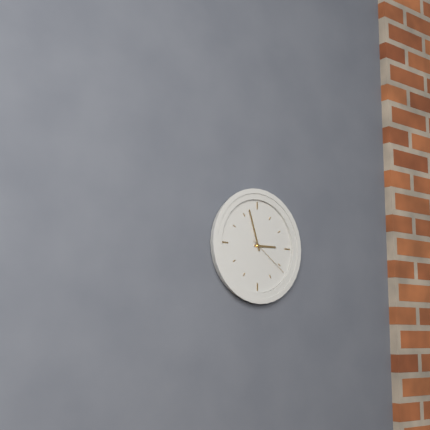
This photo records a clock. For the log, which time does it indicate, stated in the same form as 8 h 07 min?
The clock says 2 h 57 min
